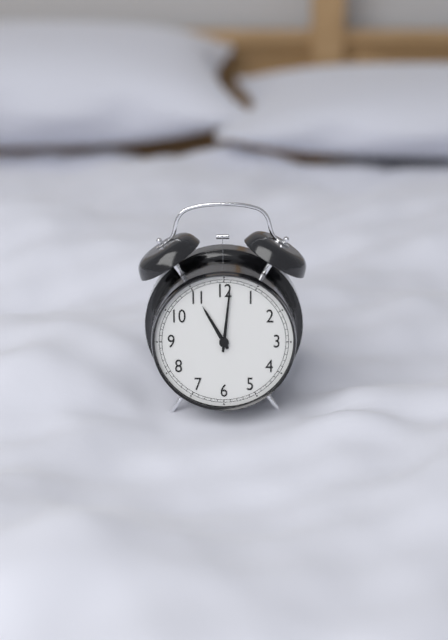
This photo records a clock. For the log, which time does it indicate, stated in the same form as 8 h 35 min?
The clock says 11 h 01 min
